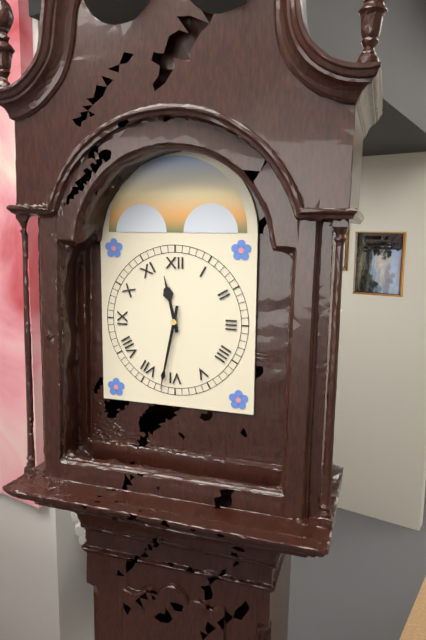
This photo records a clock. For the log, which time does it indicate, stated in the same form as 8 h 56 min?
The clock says 11 h 32 min
